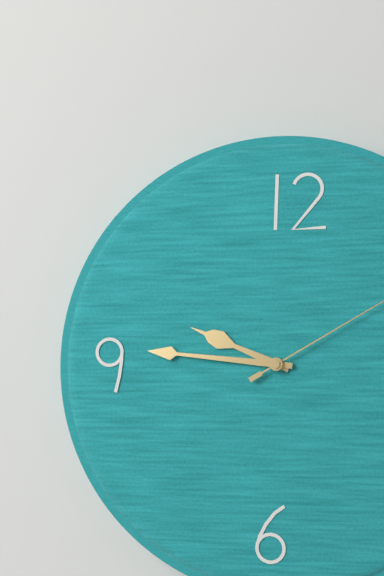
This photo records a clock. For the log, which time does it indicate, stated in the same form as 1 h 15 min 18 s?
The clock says 9 h 46 min 10 s
